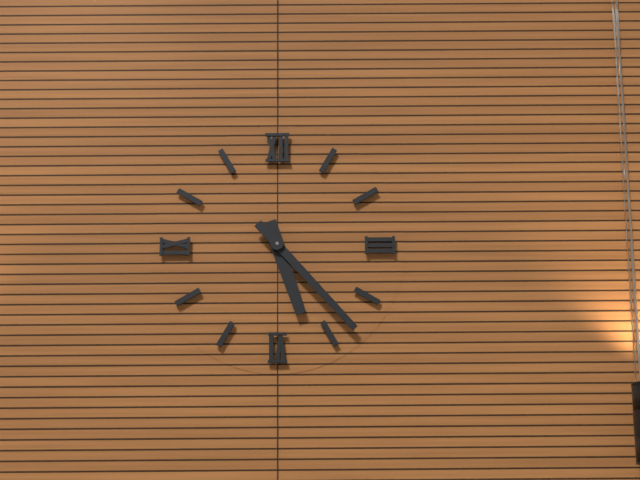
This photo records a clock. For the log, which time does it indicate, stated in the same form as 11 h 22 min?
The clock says 5 h 23 min
